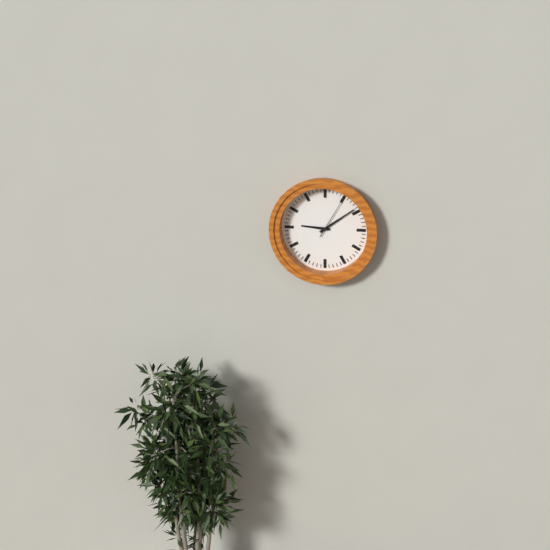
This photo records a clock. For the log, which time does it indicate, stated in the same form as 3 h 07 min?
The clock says 9 h 09 min
